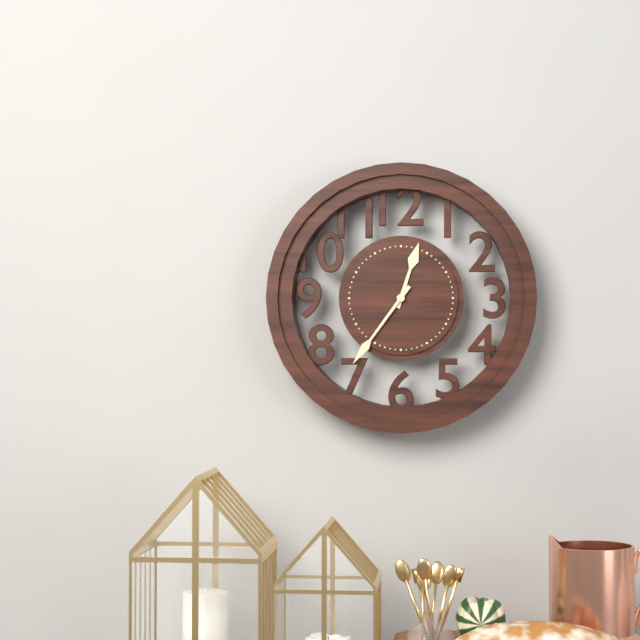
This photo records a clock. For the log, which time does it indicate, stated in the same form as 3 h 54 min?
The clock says 12 h 36 min
